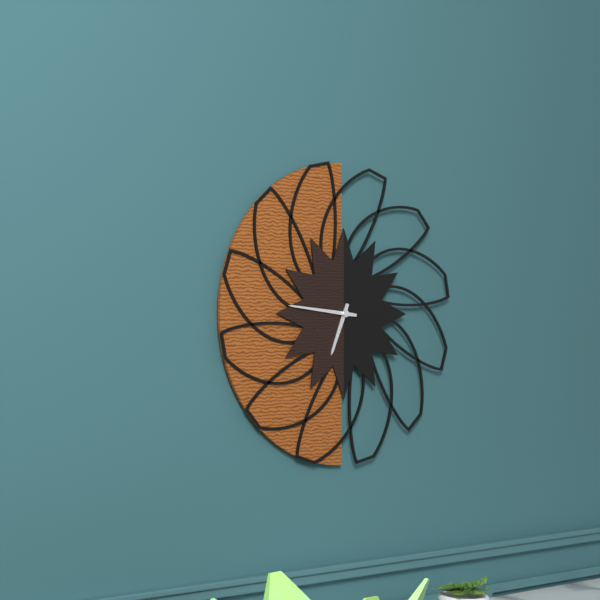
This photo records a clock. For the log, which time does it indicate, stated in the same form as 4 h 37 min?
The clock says 6 h 46 min
